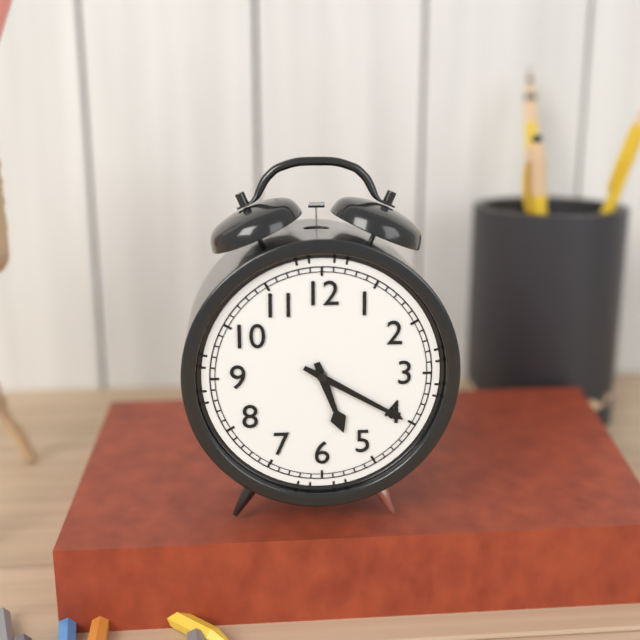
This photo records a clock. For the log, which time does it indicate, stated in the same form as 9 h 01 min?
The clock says 5 h 20 min
